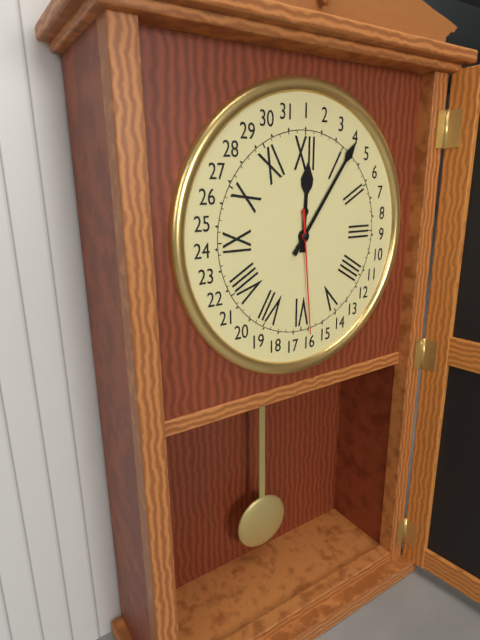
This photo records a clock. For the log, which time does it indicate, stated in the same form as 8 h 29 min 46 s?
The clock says 12 h 06 min 29 s
